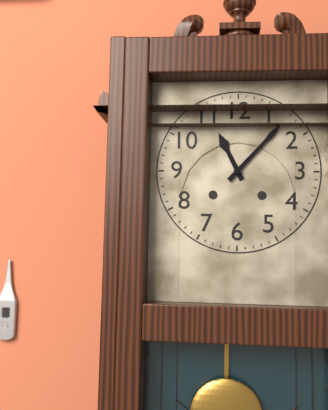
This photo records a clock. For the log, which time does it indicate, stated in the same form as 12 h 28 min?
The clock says 11 h 07 min
